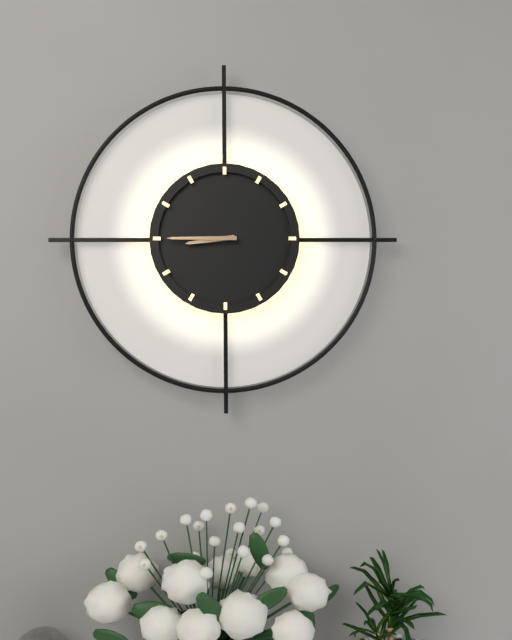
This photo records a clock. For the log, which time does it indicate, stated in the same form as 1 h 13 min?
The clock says 8 h 45 min
